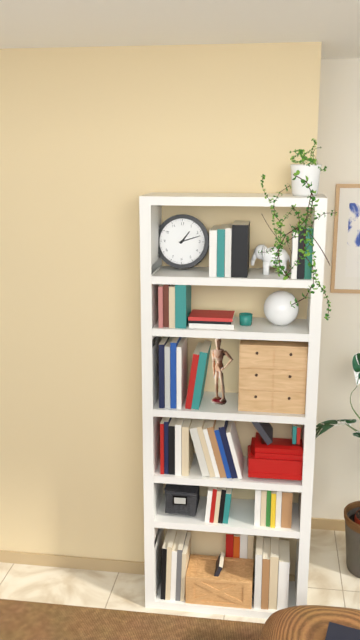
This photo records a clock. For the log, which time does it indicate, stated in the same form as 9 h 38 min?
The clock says 1 h 12 min
